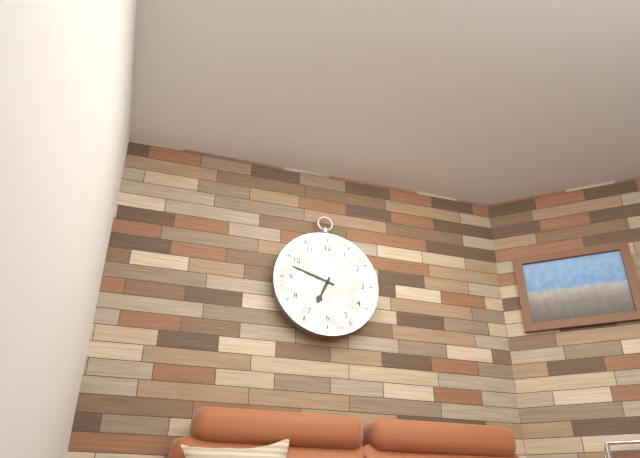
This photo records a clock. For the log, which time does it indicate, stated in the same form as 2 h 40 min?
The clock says 6 h 48 min
